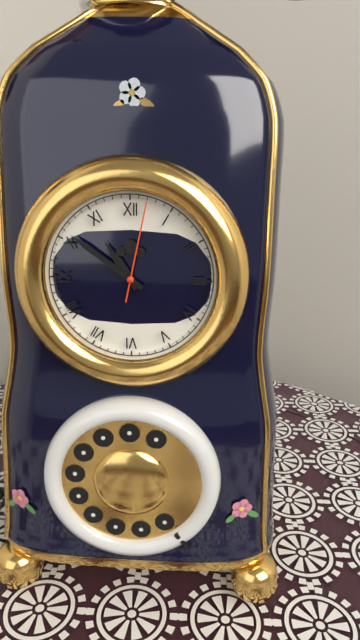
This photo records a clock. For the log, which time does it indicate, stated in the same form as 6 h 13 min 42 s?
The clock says 10 h 51 min 02 s
